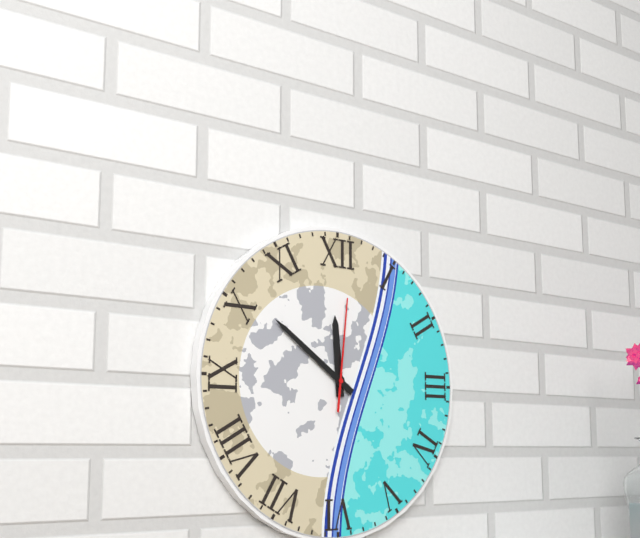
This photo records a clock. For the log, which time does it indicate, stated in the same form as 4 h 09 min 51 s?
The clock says 11 h 51 min 01 s
